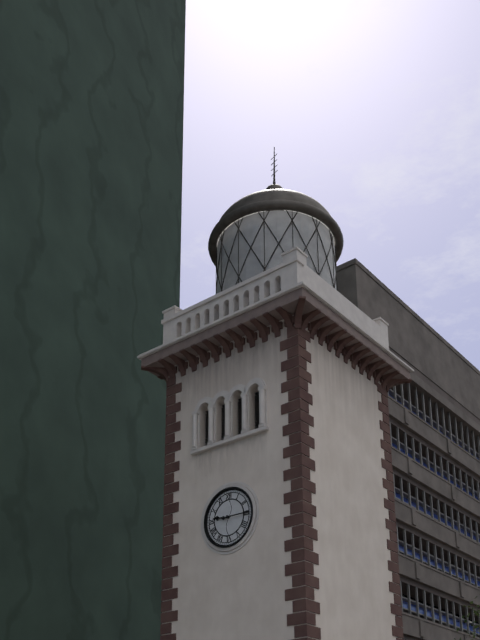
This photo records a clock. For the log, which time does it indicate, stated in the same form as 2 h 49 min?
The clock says 9 h 15 min
